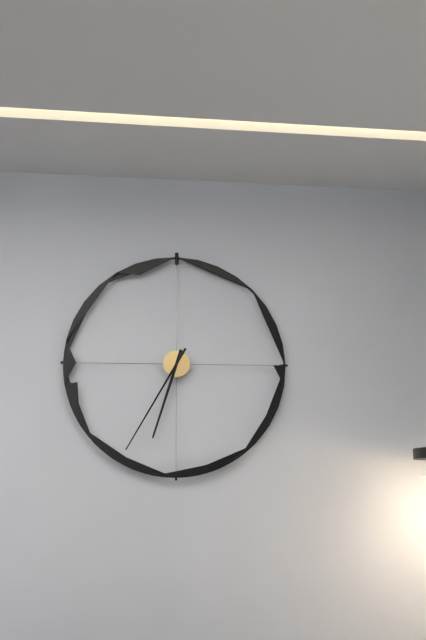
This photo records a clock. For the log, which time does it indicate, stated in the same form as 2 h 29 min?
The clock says 6 h 35 min
